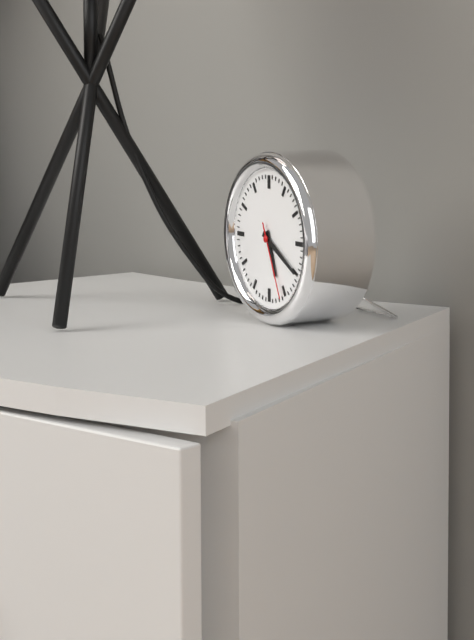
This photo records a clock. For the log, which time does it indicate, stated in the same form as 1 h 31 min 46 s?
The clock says 5 h 20 min 26 s
